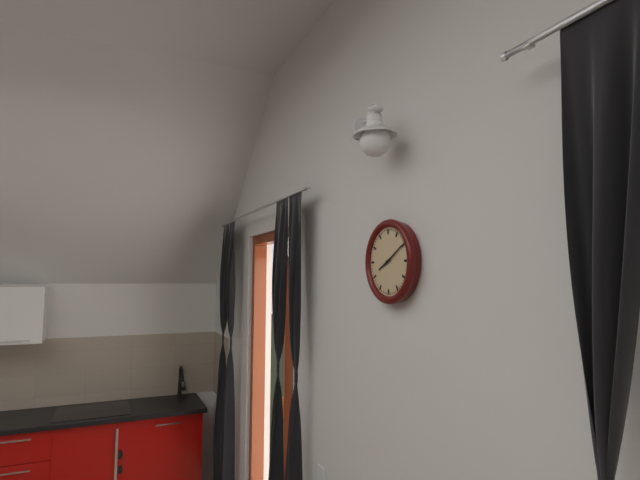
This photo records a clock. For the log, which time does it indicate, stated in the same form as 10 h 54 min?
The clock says 8 h 10 min
